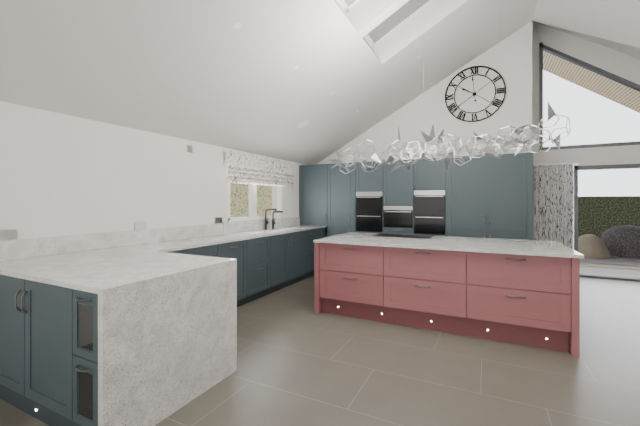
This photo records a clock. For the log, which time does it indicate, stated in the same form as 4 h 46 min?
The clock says 9 h 59 min
